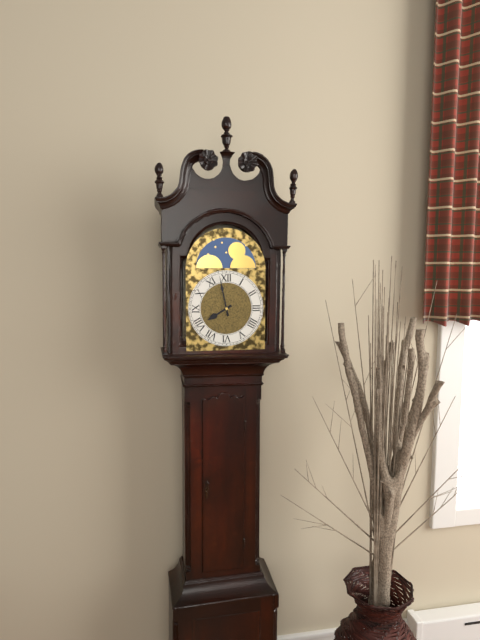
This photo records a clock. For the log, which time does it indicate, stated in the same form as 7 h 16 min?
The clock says 7 h 58 min
